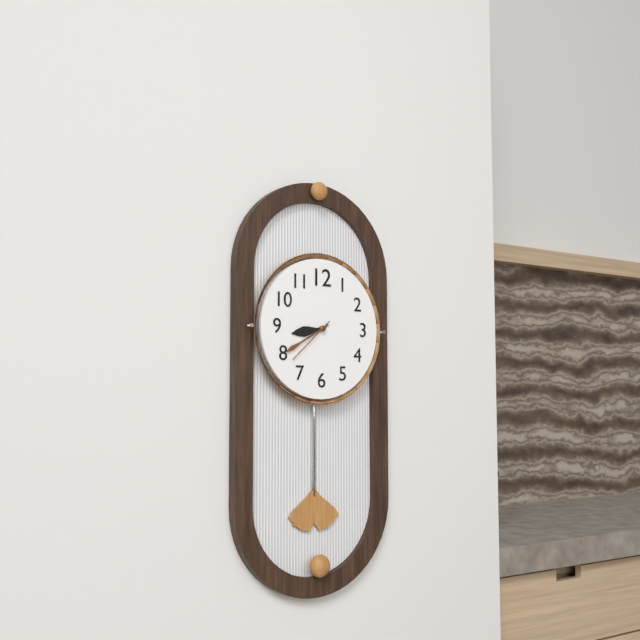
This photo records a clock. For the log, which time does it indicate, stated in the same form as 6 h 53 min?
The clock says 8 h 40 min
